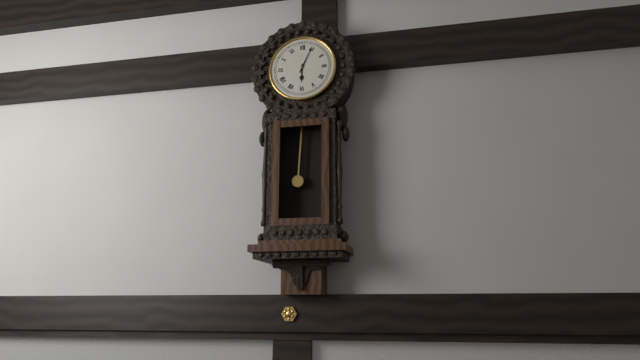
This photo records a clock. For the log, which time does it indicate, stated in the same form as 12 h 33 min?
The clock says 6 h 04 min
